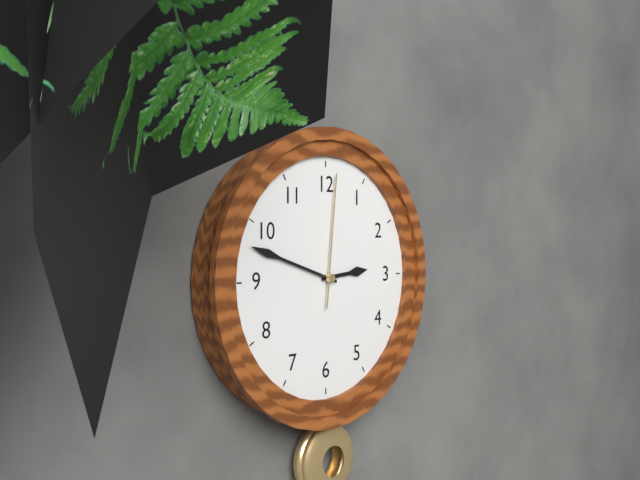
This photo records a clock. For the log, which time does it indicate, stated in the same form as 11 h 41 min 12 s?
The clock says 2 h 48 min 01 s
